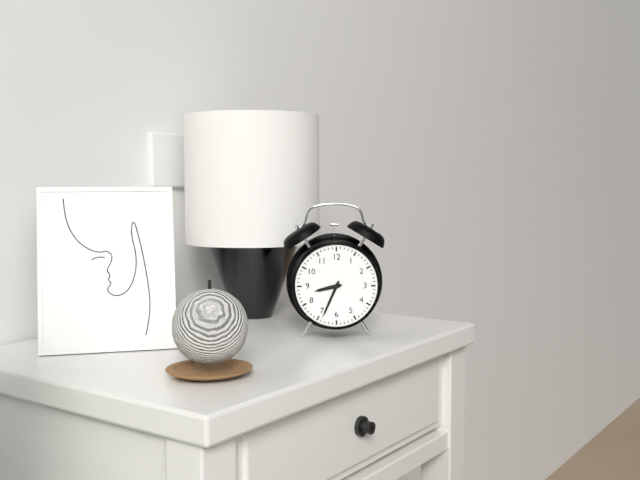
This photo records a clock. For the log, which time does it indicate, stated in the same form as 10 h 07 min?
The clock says 8 h 34 min
